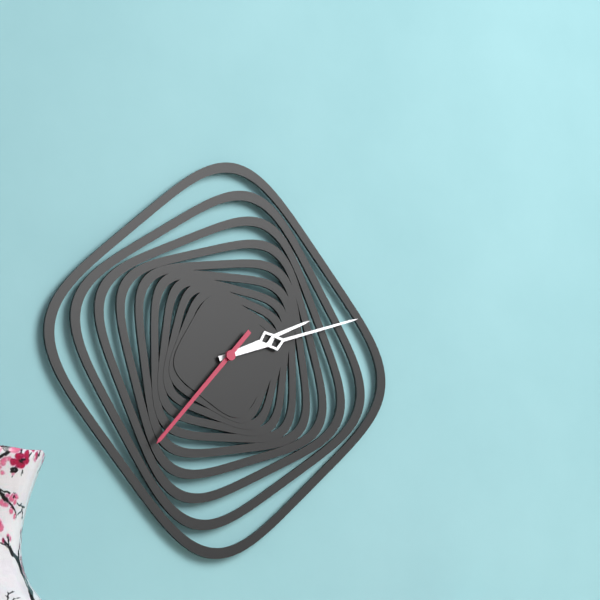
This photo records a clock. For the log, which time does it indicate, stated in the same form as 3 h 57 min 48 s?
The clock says 2 h 12 min 37 s
